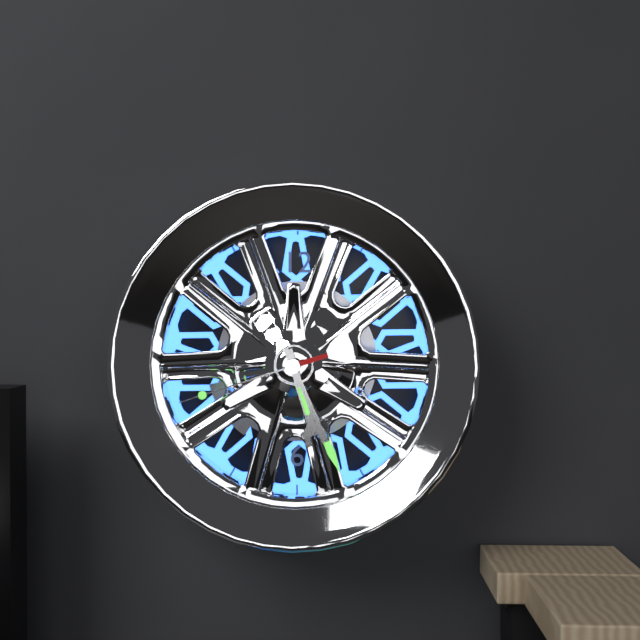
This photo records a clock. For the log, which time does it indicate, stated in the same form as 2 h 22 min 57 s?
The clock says 5 h 26 min 42 s
